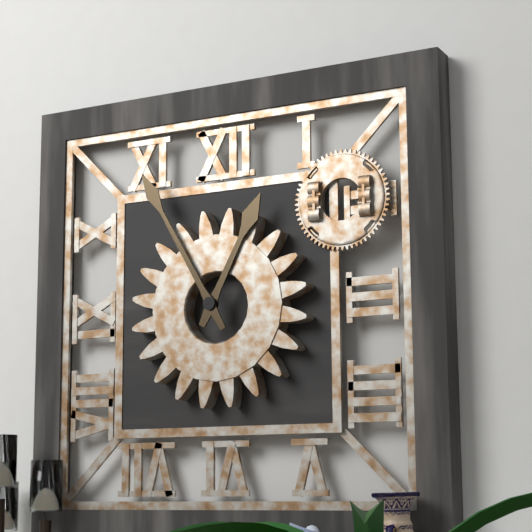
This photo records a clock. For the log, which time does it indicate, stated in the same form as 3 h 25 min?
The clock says 12 h 55 min
